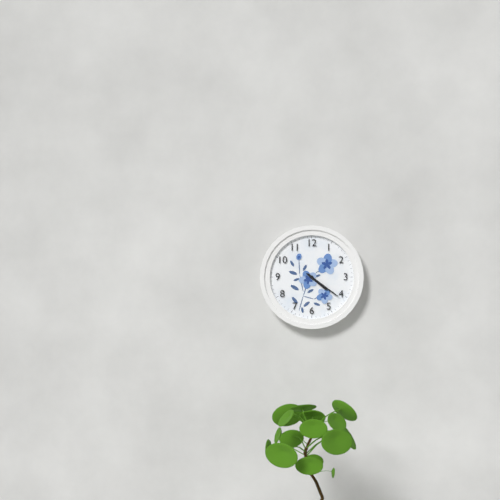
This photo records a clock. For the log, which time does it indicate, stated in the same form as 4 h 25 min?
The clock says 4 h 21 min
